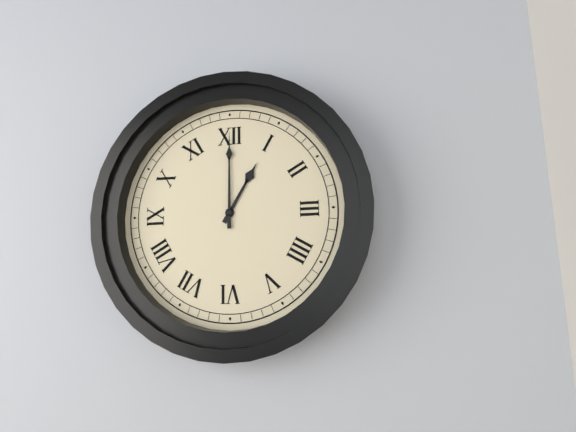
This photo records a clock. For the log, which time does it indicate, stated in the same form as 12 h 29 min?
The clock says 1 h 00 min
